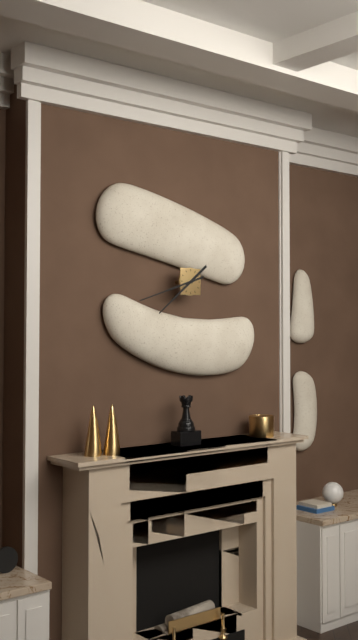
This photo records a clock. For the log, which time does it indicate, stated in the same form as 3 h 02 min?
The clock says 7 h 42 min
